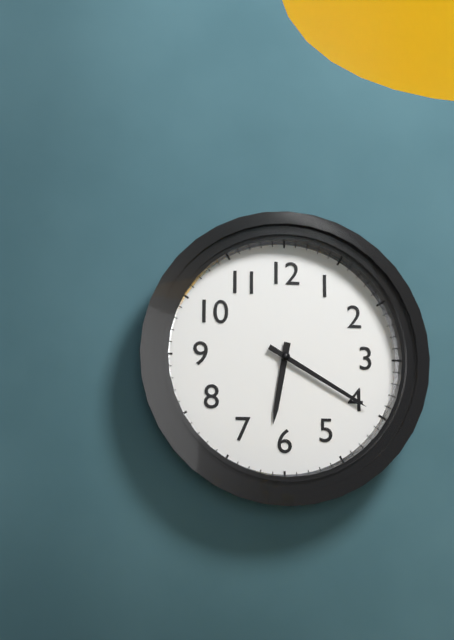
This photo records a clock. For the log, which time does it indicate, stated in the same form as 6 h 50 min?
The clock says 6 h 20 min
